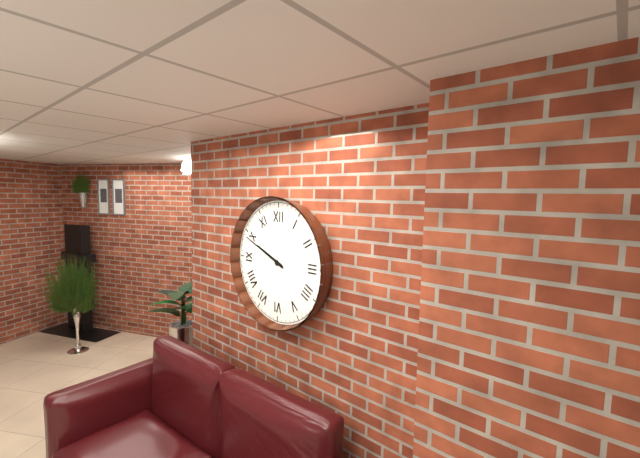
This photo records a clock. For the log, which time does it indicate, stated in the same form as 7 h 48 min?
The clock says 9 h 49 min
